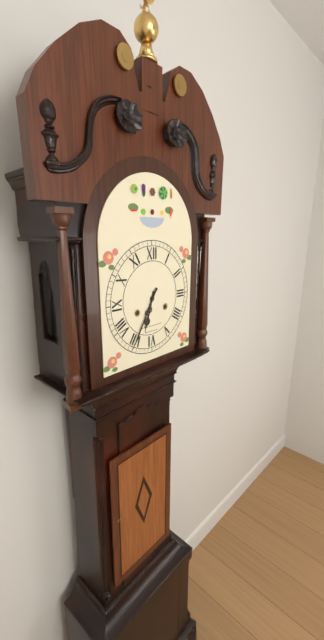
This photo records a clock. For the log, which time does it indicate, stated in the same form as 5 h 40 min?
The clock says 6 h 35 min
